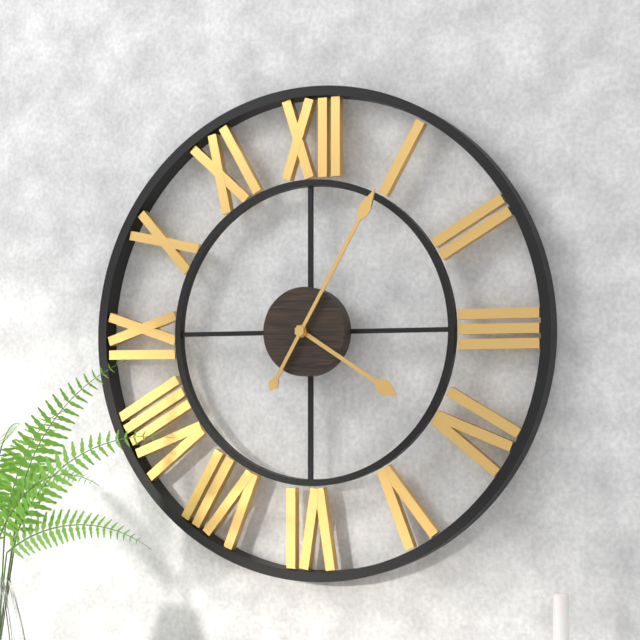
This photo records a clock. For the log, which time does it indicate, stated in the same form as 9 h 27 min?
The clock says 4 h 05 min
